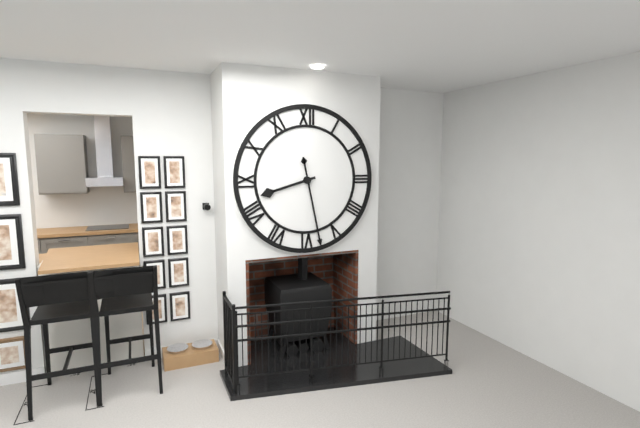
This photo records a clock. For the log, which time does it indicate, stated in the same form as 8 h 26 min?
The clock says 8 h 28 min
